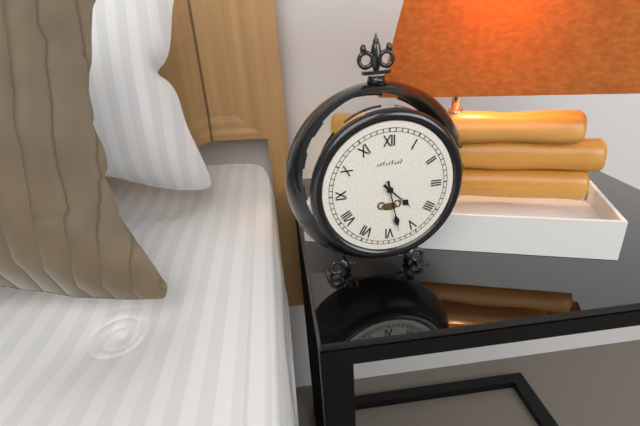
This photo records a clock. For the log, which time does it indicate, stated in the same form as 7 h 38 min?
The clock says 4 h 28 min
